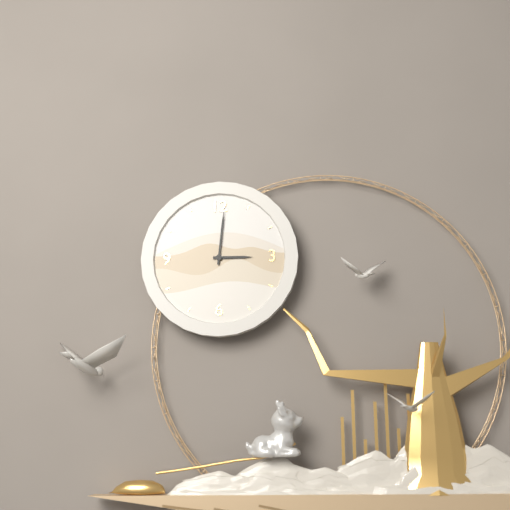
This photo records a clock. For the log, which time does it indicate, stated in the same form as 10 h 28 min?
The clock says 3 h 01 min
